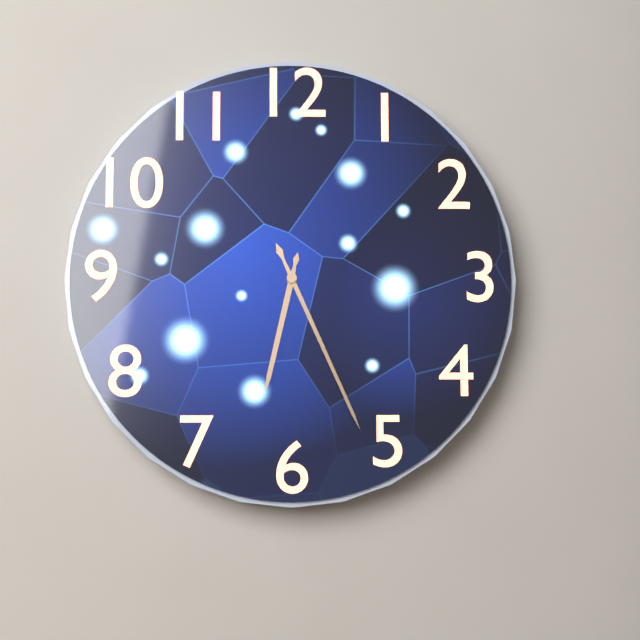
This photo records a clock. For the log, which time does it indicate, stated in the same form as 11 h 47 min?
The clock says 6 h 26 min
